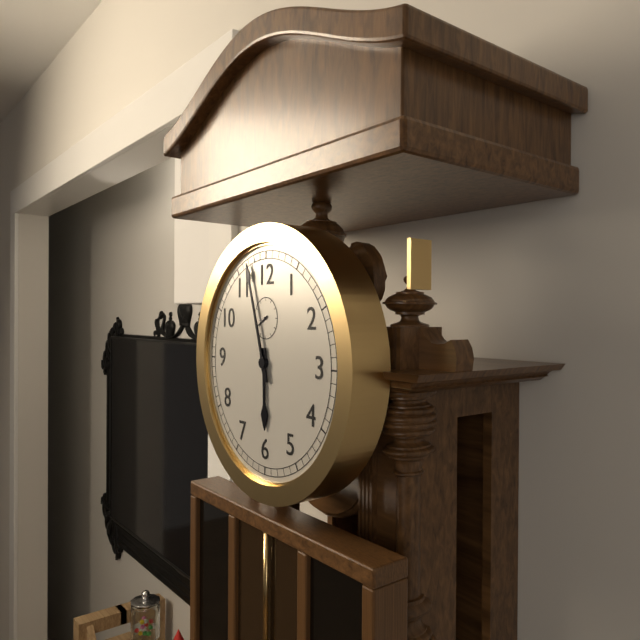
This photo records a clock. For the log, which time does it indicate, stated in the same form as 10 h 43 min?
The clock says 5 h 57 min
